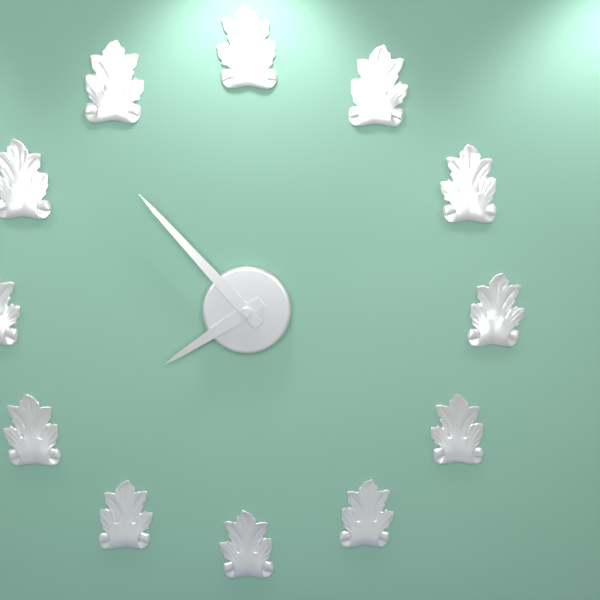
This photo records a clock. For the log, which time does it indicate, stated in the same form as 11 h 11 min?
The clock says 7 h 53 min
